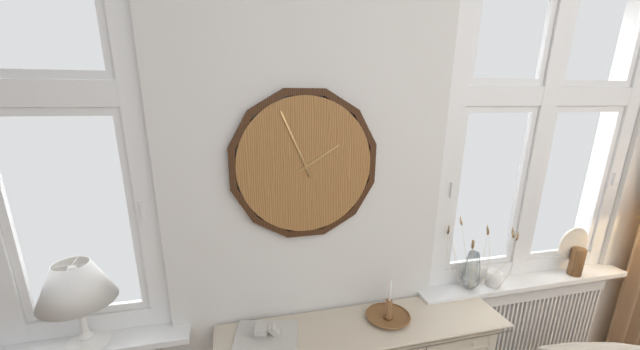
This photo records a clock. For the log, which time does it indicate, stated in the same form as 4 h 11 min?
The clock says 1 h 56 min
